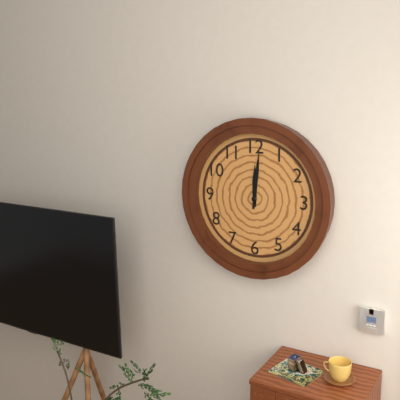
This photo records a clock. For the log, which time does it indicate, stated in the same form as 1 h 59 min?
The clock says 12 h 01 min
